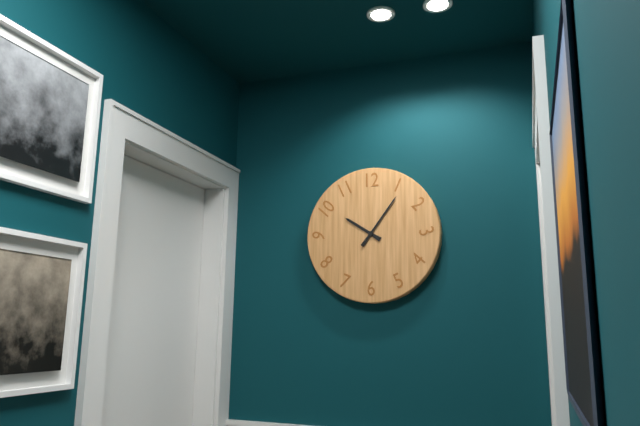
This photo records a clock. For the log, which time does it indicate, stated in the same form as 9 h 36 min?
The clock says 10 h 06 min
